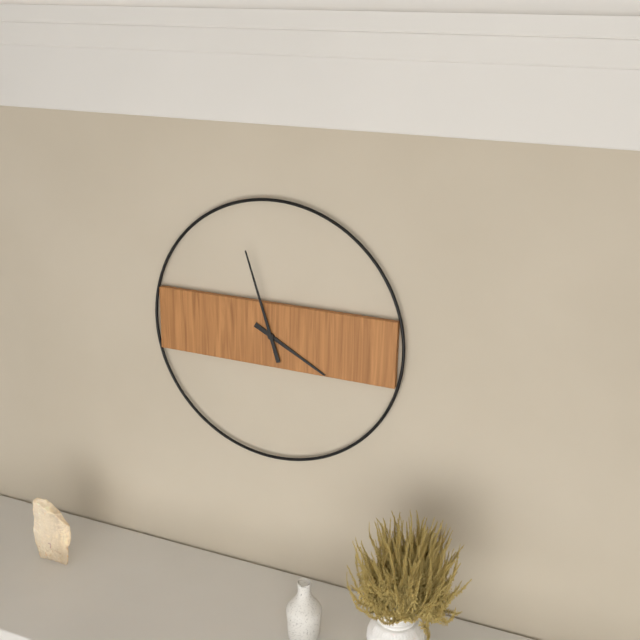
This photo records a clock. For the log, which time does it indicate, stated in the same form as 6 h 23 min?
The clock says 3 h 57 min
